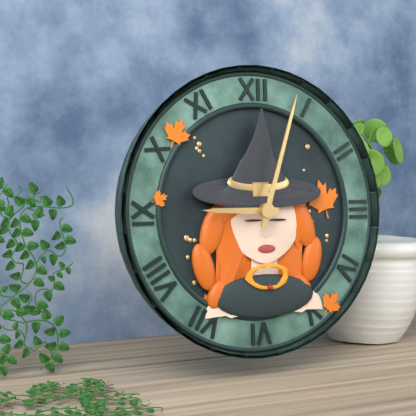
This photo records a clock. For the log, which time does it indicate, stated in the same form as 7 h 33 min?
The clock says 9 h 03 min
